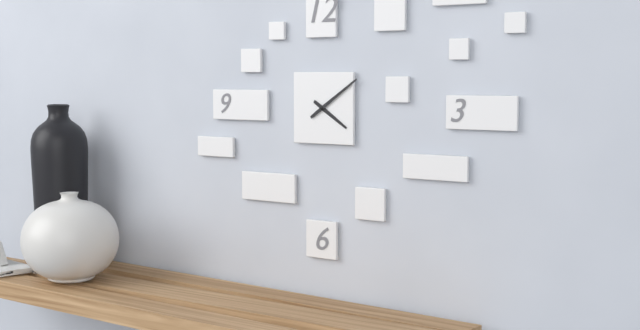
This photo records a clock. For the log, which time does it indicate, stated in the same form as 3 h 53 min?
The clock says 4 h 09 min
